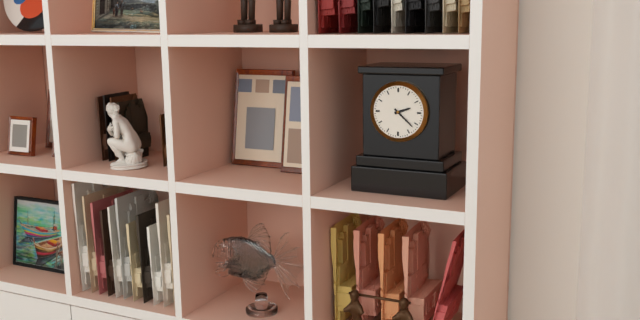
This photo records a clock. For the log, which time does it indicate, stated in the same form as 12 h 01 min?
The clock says 2 h 22 min
